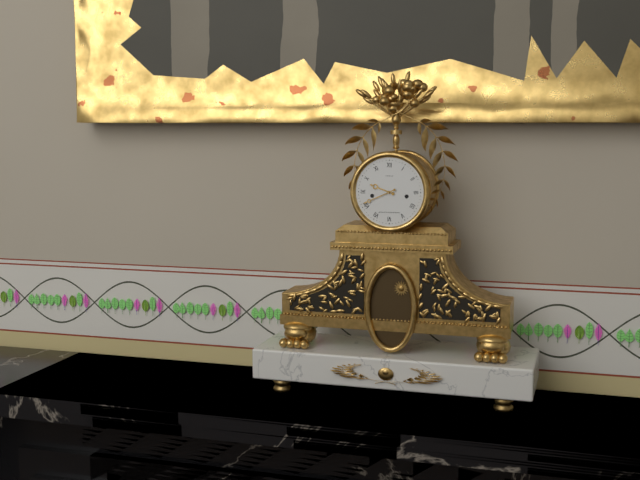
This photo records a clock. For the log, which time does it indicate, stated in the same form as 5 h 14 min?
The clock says 9 h 41 min
